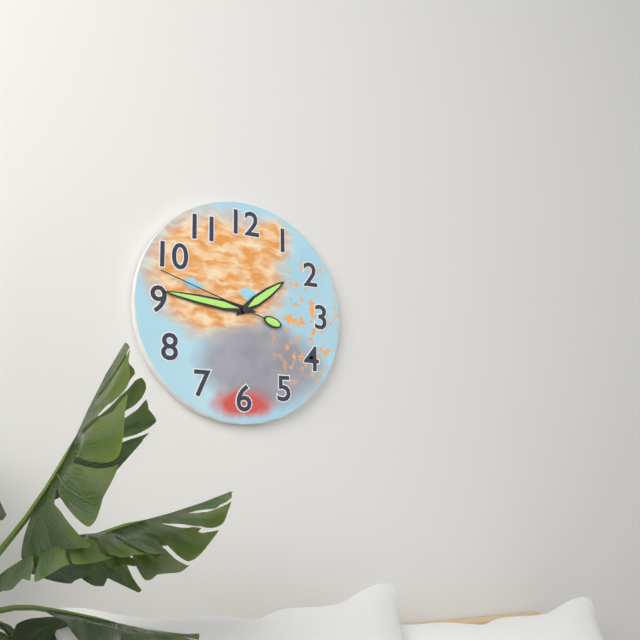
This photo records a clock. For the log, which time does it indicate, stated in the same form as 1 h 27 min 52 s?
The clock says 1 h 46 min 48 s
